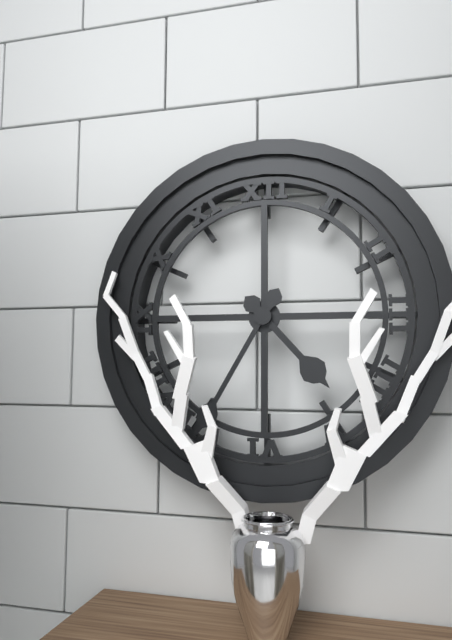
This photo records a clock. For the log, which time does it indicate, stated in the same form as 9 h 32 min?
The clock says 4 h 35 min
